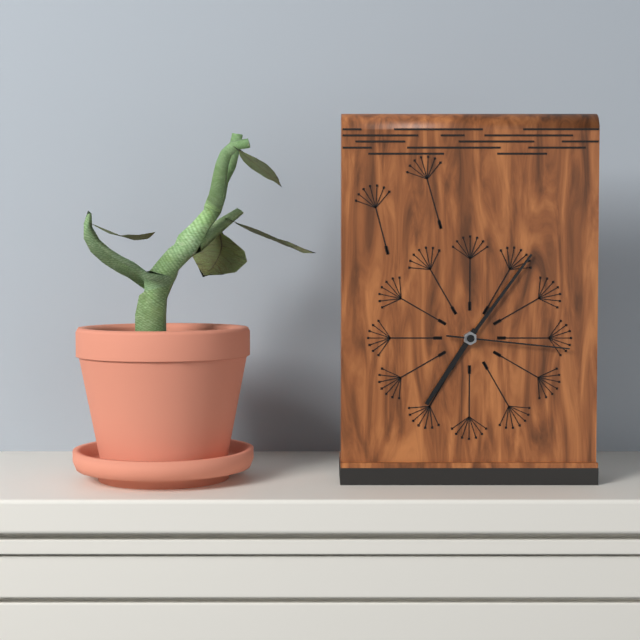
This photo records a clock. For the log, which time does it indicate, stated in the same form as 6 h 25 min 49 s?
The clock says 7 h 06 min 16 s
